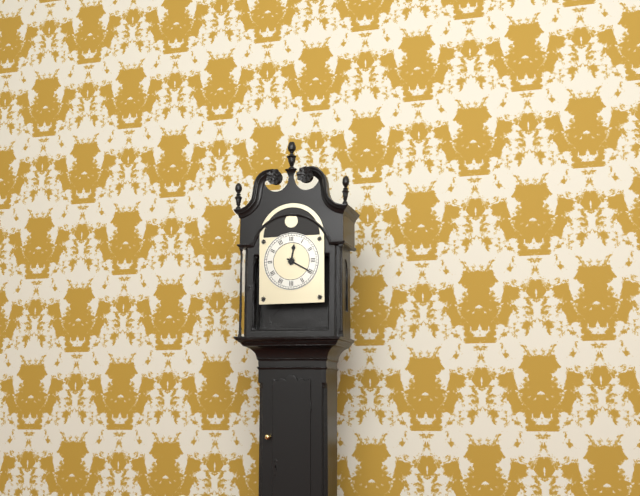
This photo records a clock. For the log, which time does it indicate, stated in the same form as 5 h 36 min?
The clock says 12 h 20 min
